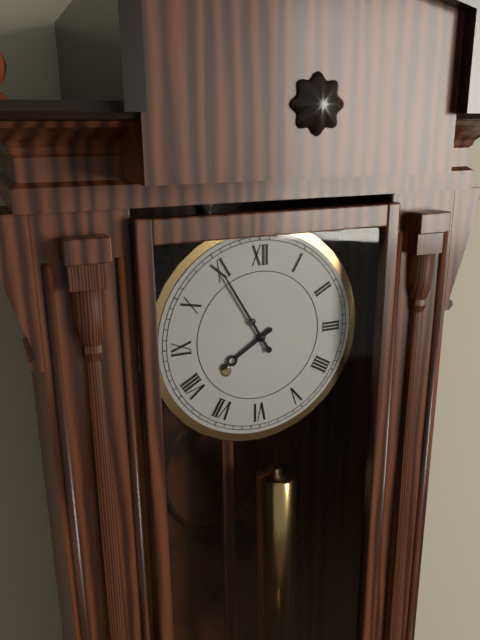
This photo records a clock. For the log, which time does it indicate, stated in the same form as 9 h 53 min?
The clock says 7 h 55 min
